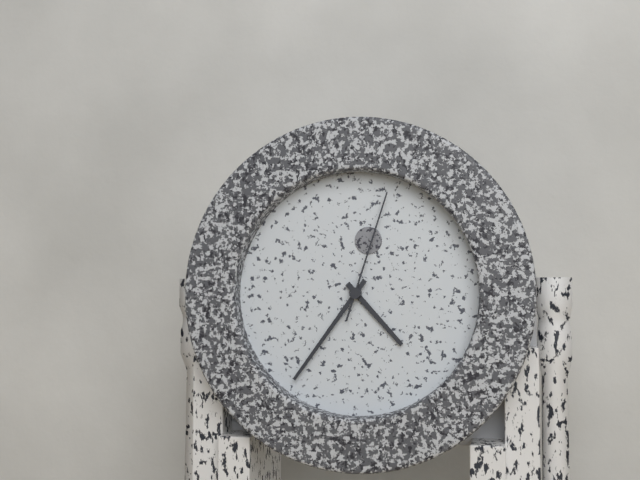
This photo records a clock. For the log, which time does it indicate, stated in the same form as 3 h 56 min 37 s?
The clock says 4 h 36 min 03 s
